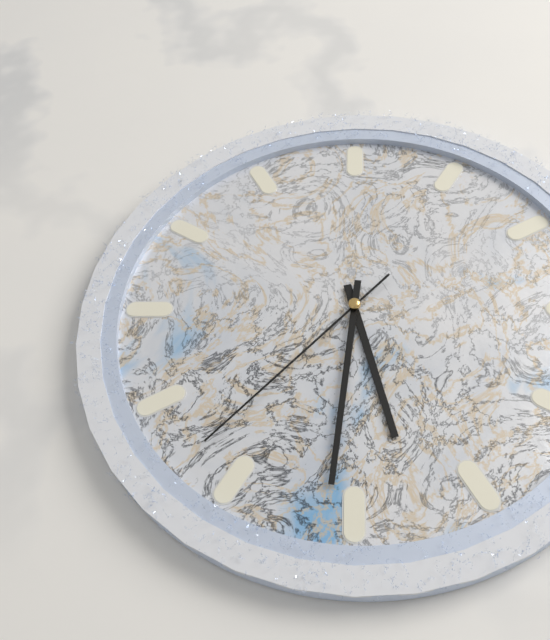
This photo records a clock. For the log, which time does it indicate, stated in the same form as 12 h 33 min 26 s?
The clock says 5 h 31 min 37 s
